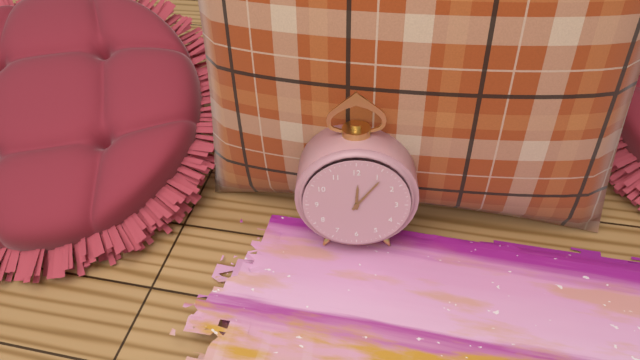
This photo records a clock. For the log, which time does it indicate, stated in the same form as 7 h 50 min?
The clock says 12 h 06 min
